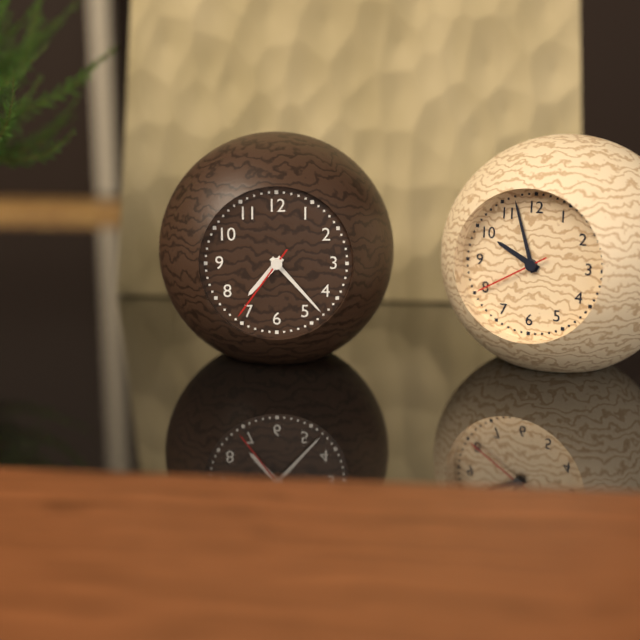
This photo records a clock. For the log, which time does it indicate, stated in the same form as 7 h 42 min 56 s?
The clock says 7 h 23 min 36 s
